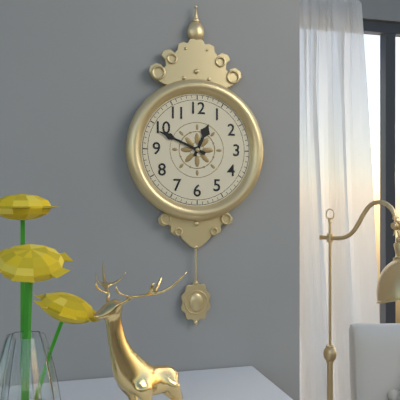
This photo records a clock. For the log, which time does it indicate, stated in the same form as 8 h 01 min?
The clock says 12 h 49 min
